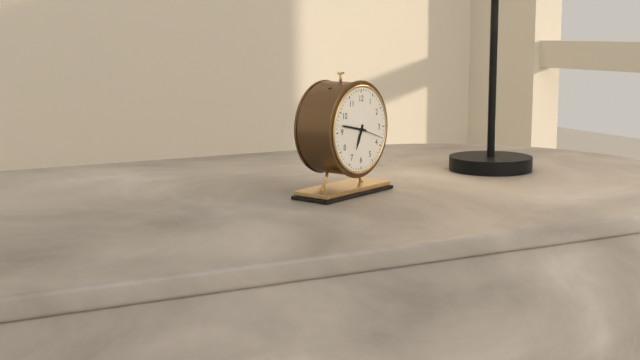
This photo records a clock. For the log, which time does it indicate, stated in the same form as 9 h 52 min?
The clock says 6 h 47 min
